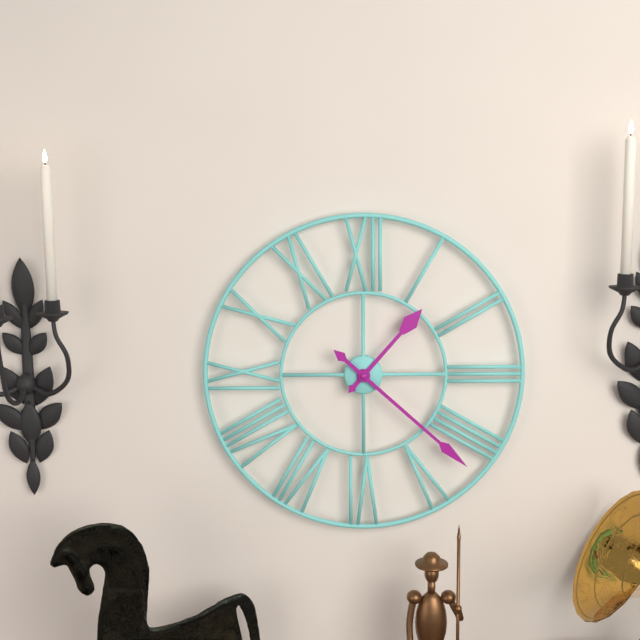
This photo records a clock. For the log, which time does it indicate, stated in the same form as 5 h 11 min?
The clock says 1 h 22 min
